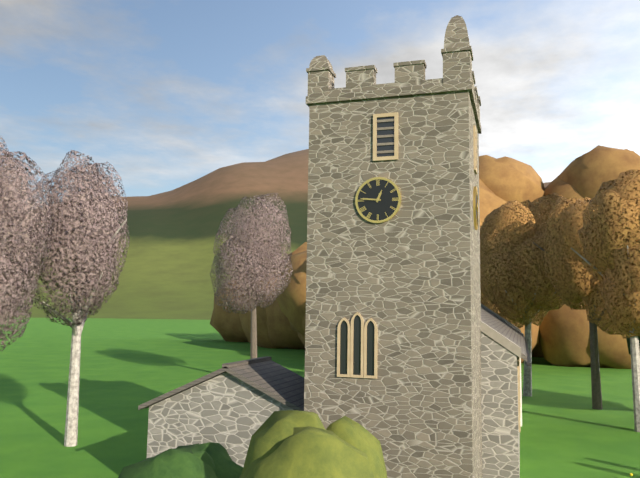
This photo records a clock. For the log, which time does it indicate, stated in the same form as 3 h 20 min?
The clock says 12 h 46 min
